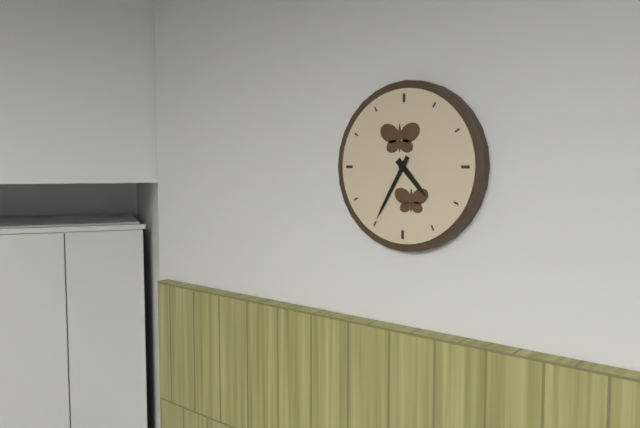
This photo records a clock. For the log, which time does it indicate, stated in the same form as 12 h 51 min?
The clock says 4 h 35 min
